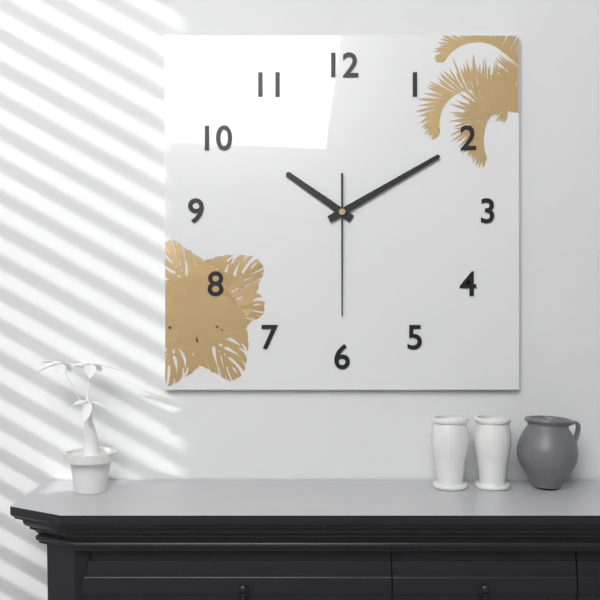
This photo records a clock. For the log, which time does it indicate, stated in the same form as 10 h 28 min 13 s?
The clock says 10 h 10 min 30 s
